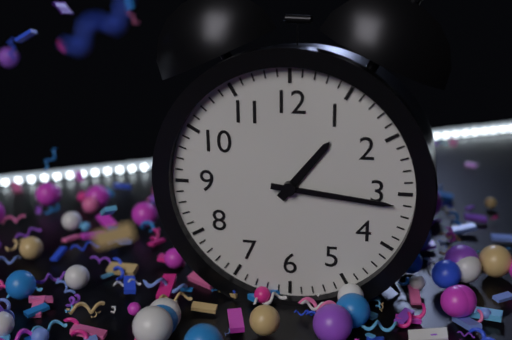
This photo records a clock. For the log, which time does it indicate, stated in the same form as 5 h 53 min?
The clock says 1 h 16 min
